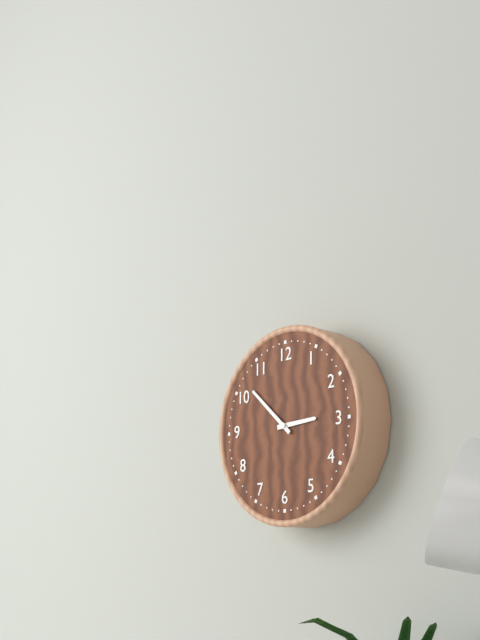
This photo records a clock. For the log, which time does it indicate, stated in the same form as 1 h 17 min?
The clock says 2 h 52 min
